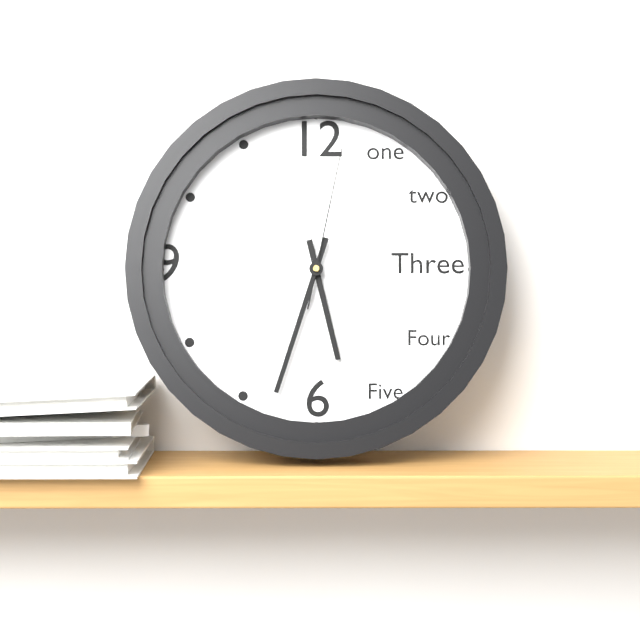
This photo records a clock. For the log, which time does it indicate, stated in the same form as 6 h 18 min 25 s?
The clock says 5 h 33 min 02 s
